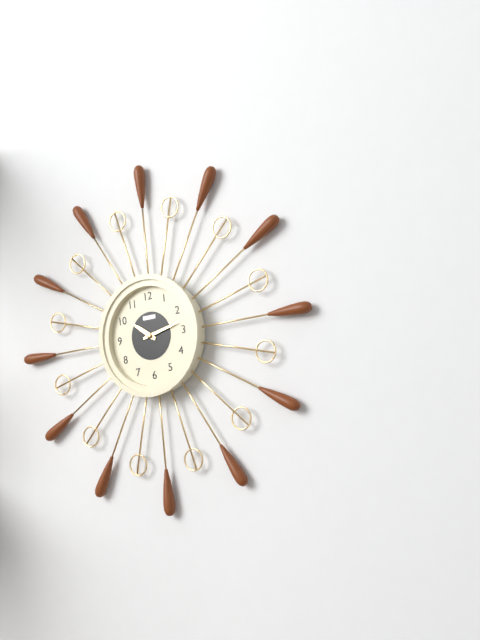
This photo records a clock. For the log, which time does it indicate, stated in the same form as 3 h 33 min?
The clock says 10 h 13 min
